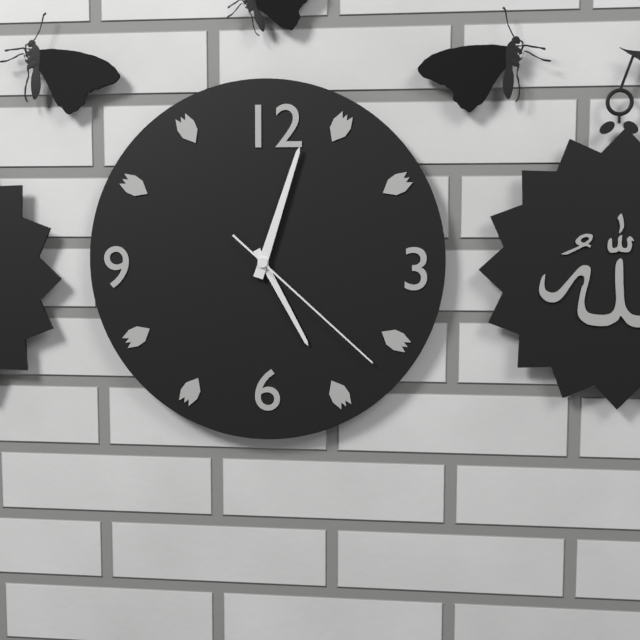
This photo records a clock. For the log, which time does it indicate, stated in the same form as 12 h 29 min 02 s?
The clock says 5 h 03 min 22 s
